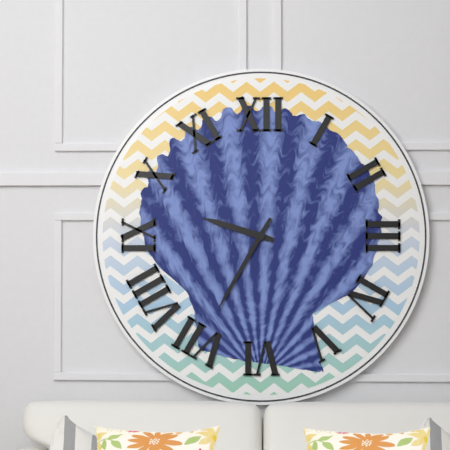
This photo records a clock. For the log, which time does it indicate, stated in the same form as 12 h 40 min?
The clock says 9 h 35 min
